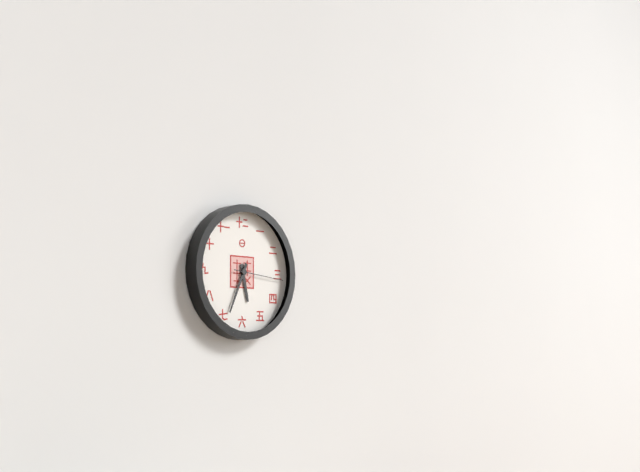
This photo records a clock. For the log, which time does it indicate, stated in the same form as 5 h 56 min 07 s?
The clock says 5 h 34 min 16 s
